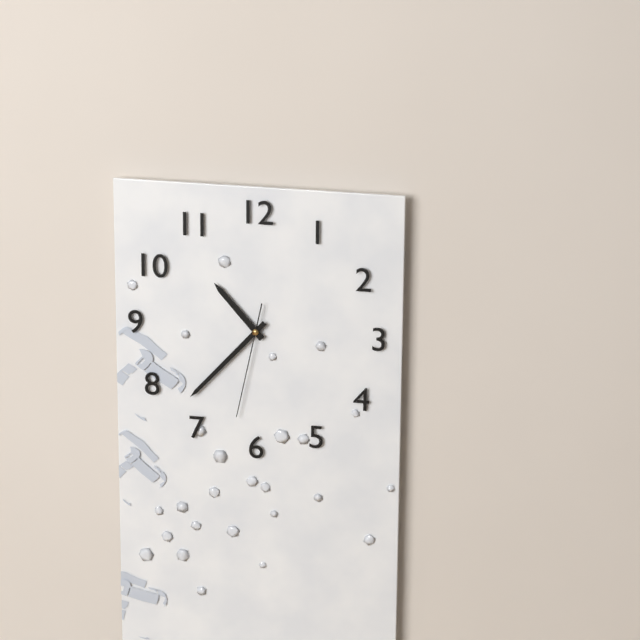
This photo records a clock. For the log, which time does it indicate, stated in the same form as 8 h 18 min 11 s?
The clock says 10 h 37 min 32 s
